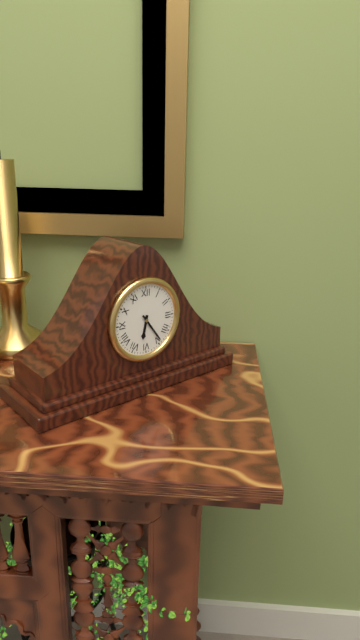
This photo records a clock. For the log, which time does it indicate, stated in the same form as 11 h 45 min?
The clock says 6 h 24 min
